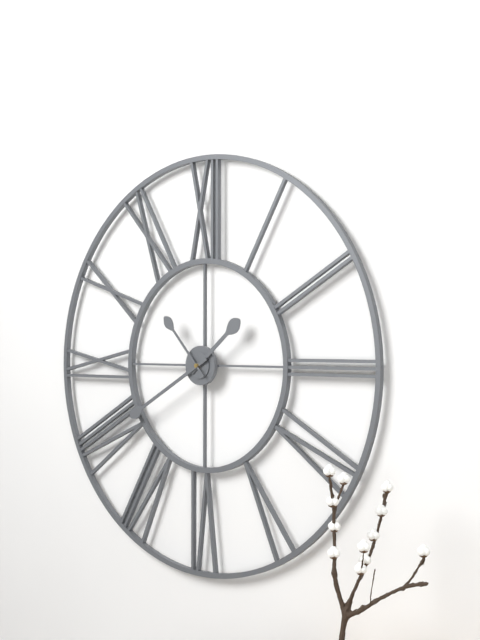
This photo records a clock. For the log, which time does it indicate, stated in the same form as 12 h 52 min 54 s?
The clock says 1 h 40 min 53 s
